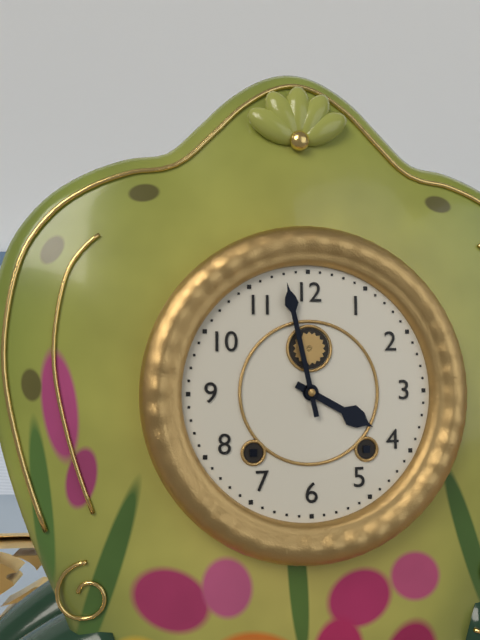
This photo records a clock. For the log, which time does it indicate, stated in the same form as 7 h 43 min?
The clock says 3 h 58 min
